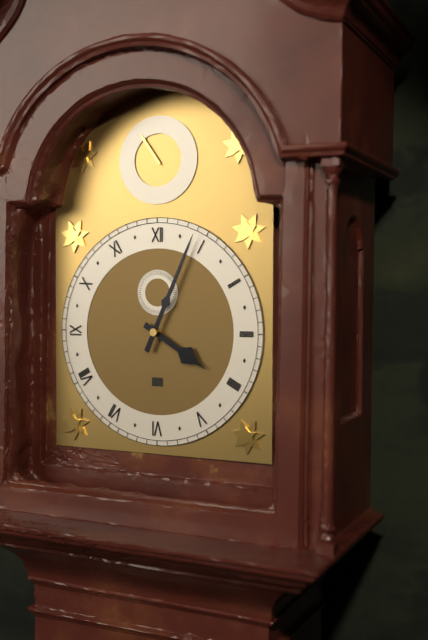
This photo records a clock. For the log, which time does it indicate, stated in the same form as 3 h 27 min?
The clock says 4 h 04 min
